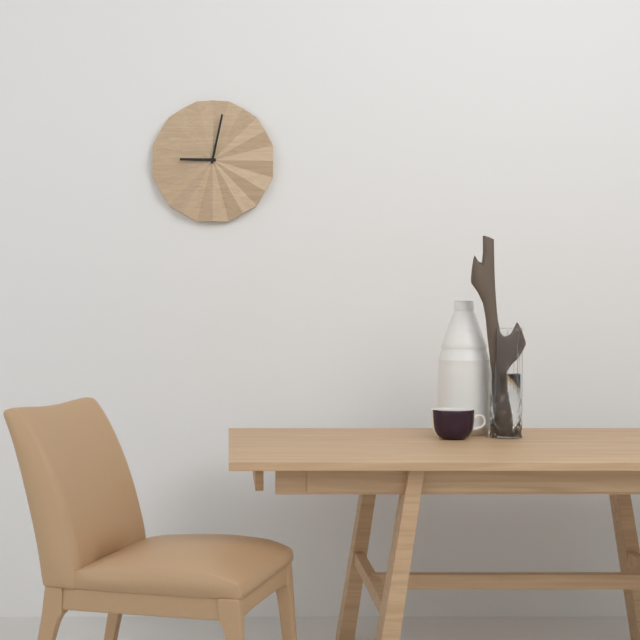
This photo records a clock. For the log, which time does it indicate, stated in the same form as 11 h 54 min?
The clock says 9 h 02 min
